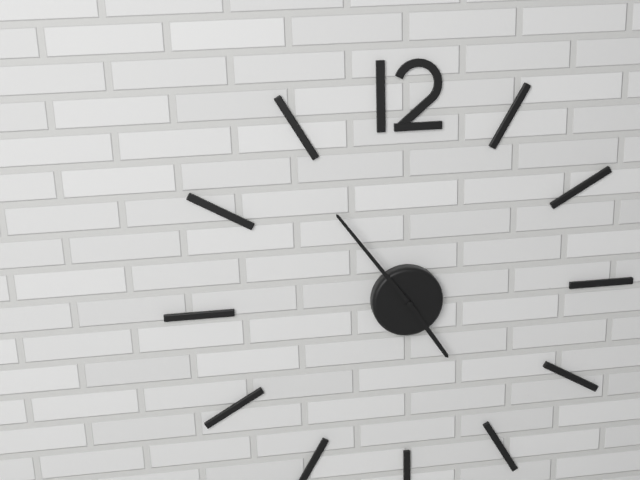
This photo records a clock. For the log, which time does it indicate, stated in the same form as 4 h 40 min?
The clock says 4 h 54 min
